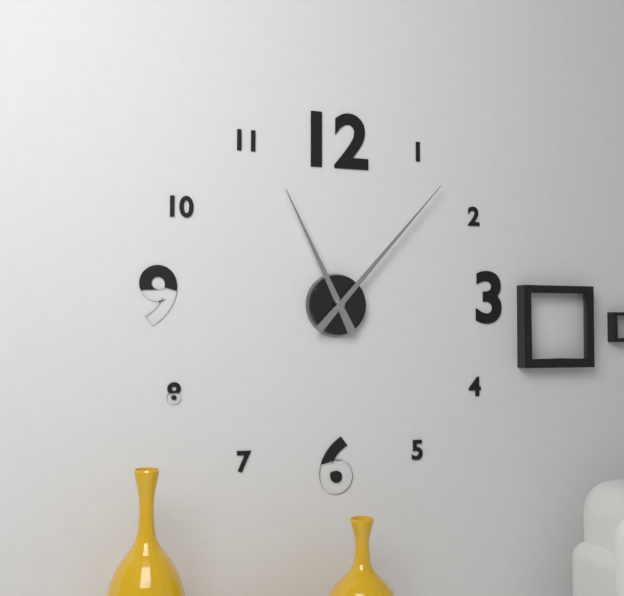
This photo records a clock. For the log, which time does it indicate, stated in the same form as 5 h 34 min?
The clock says 11 h 07 min
